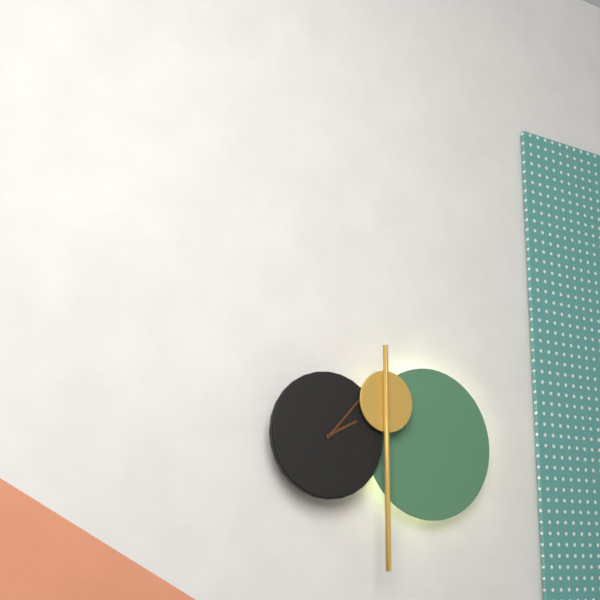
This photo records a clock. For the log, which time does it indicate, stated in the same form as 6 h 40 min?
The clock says 2 h 07 min
